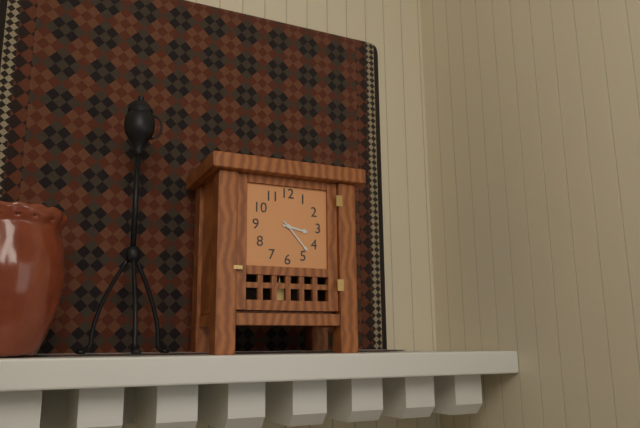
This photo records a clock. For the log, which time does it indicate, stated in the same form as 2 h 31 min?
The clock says 3 h 23 min
